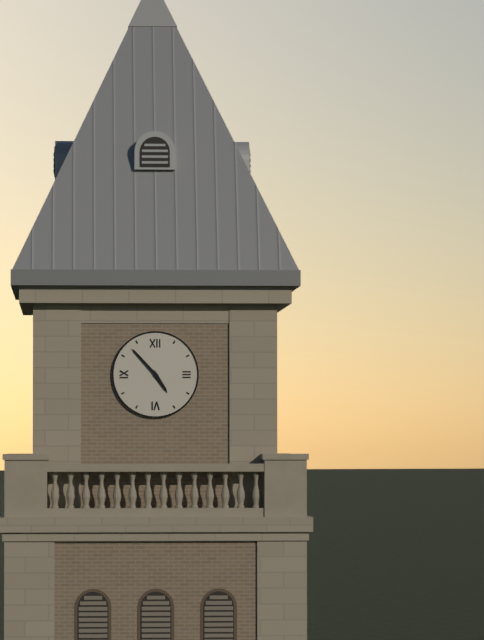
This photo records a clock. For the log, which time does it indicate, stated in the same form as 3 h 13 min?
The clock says 4 h 53 min
